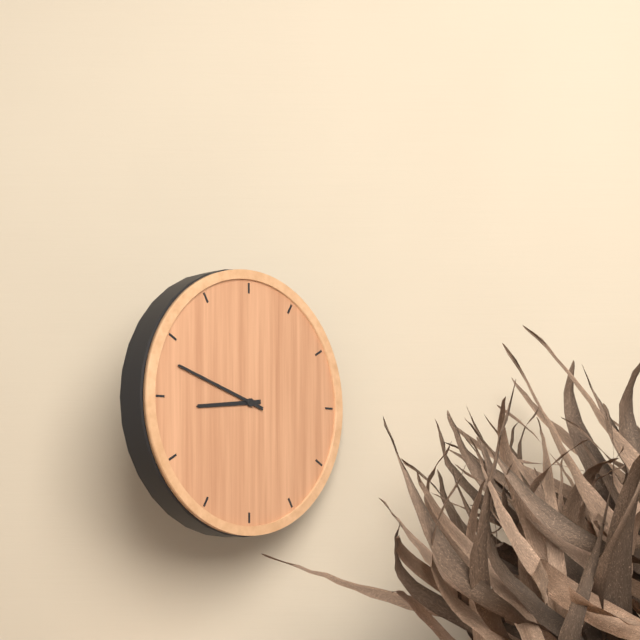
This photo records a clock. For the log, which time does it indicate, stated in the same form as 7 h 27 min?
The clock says 8 h 48 min
